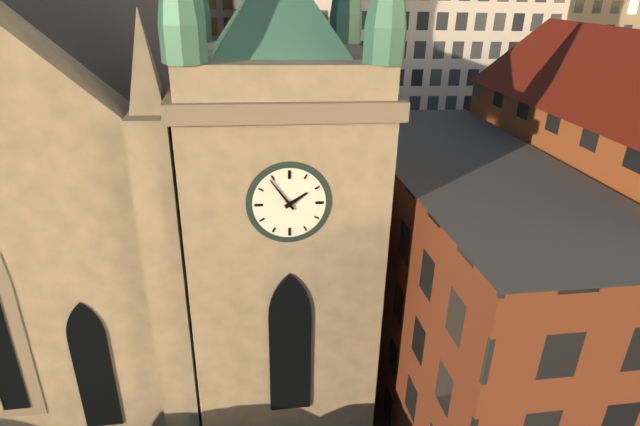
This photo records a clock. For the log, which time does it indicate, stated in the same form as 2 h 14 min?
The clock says 1 h 54 min
